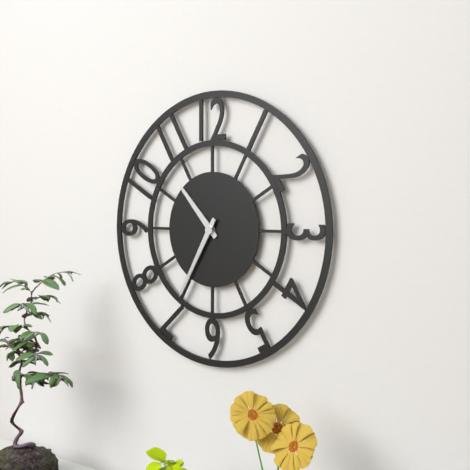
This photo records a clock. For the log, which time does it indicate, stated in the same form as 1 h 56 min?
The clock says 10 h 35 min
